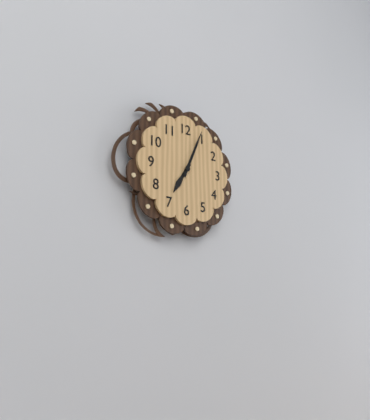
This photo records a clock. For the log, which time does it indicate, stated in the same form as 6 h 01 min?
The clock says 7 h 04 min
